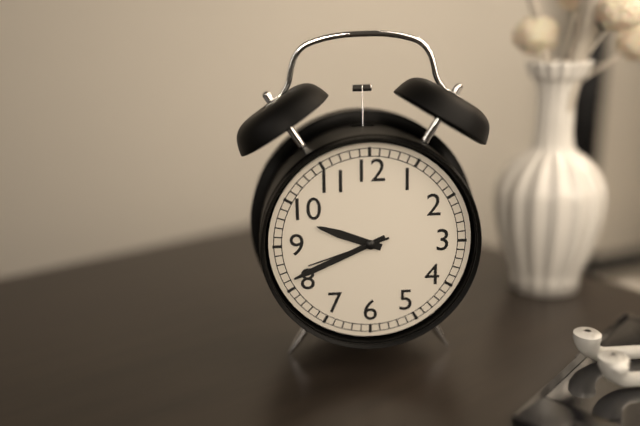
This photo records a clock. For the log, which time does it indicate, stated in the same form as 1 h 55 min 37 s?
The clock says 9 h 41 min 42 s
